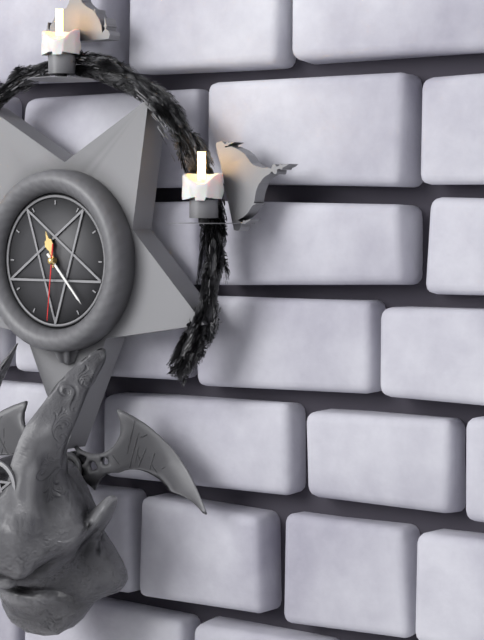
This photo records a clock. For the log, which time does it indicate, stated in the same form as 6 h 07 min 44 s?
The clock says 11 h 23 min 31 s
